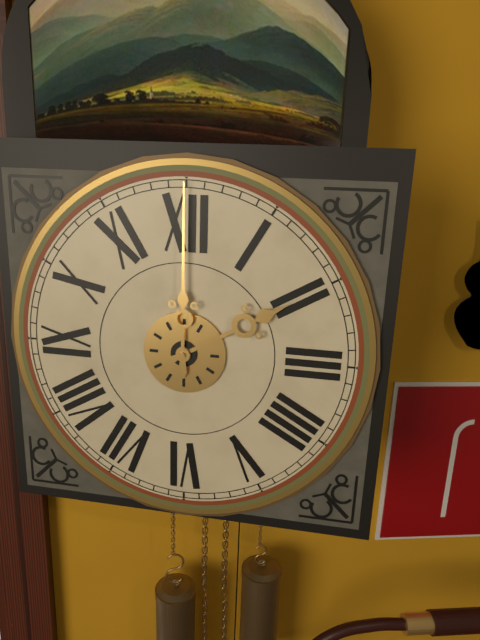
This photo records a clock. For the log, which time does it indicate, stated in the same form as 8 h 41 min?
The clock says 2 h 00 min
